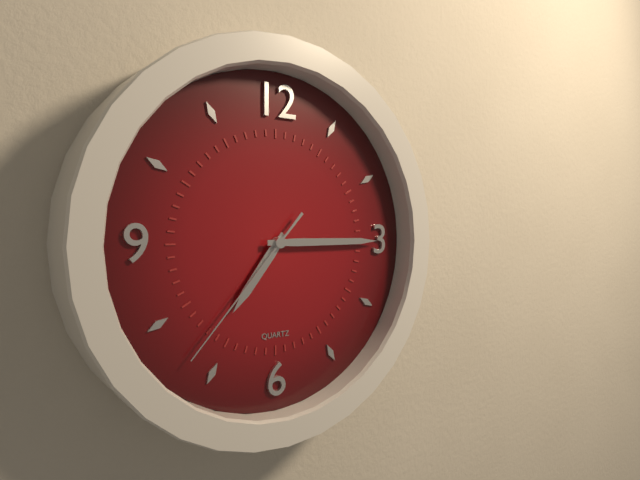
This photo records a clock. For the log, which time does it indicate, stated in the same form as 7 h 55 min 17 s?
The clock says 7 h 15 min 37 s
